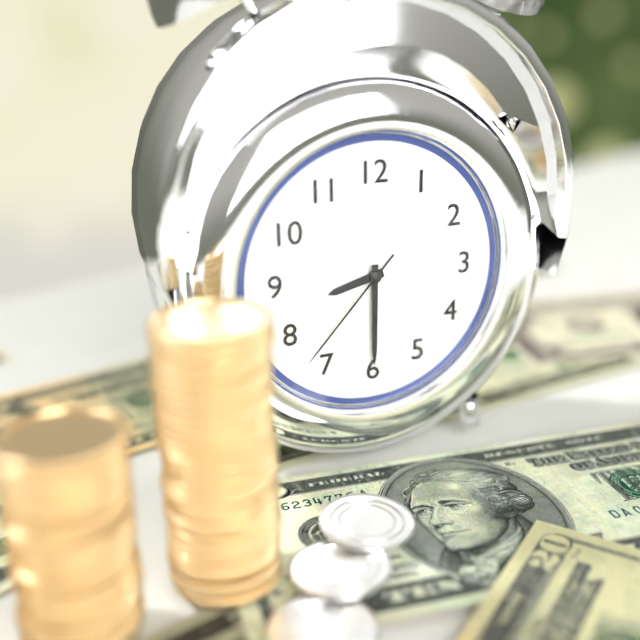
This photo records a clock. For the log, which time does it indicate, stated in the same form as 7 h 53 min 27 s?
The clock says 8 h 30 min 37 s
